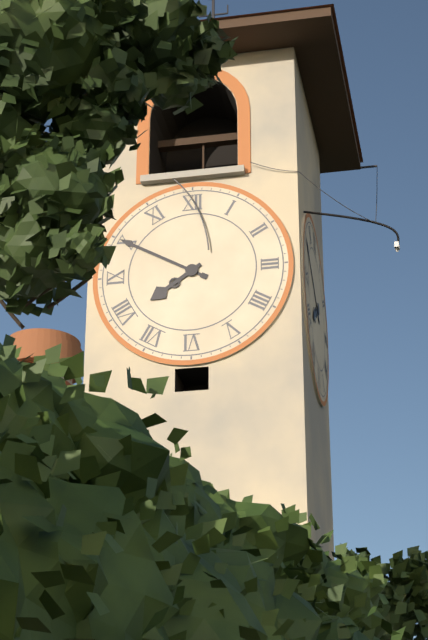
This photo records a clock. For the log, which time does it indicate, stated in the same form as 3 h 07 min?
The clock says 7 h 50 min
